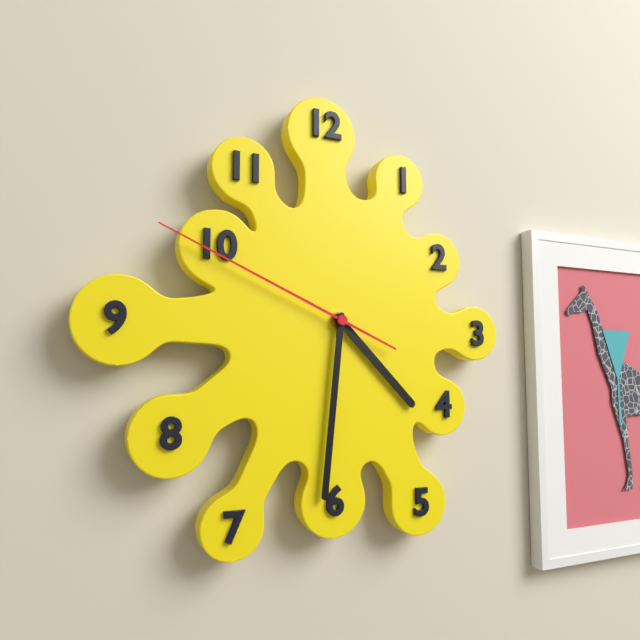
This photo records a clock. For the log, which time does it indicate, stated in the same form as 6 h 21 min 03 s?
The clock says 4 h 31 min 49 s
